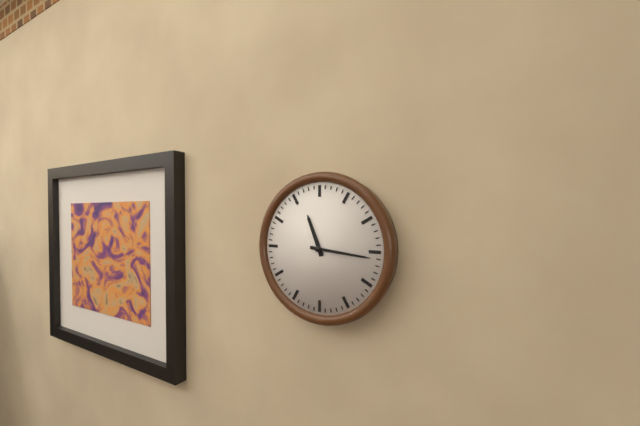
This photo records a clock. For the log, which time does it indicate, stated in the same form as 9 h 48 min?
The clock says 11 h 16 min
